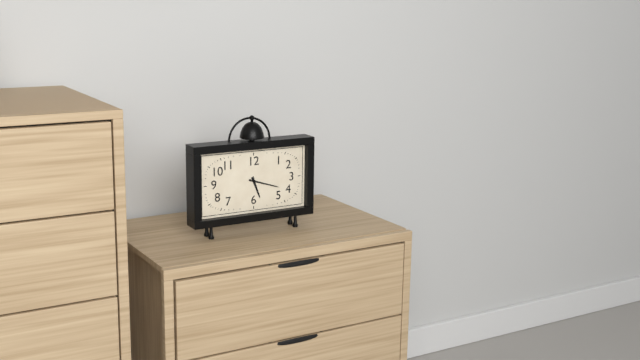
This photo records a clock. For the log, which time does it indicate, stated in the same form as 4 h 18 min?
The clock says 5 h 18 min
